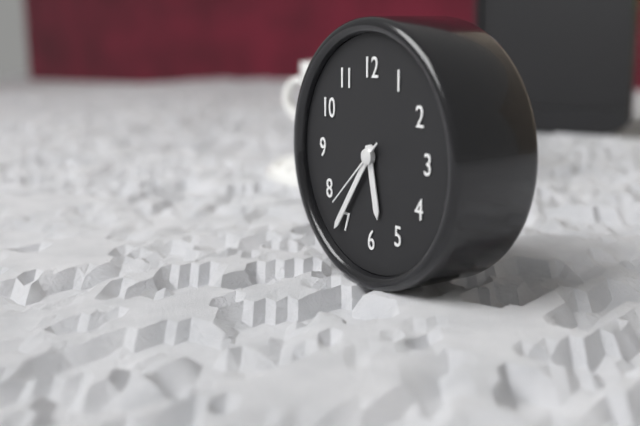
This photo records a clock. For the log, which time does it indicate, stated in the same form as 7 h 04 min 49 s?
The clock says 5 h 36 min 38 s
